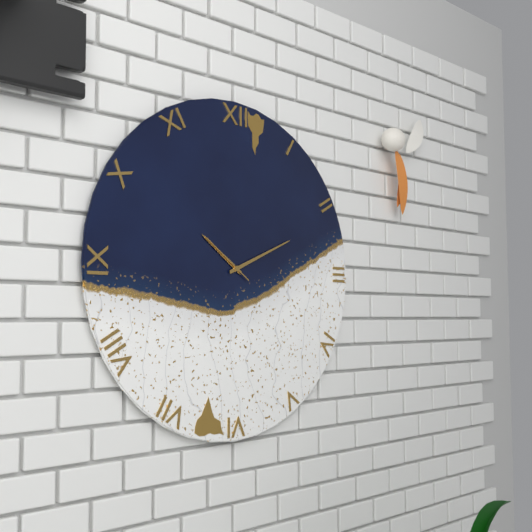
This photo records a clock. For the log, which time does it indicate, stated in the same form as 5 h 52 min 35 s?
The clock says 10 h 11 min 51 s
